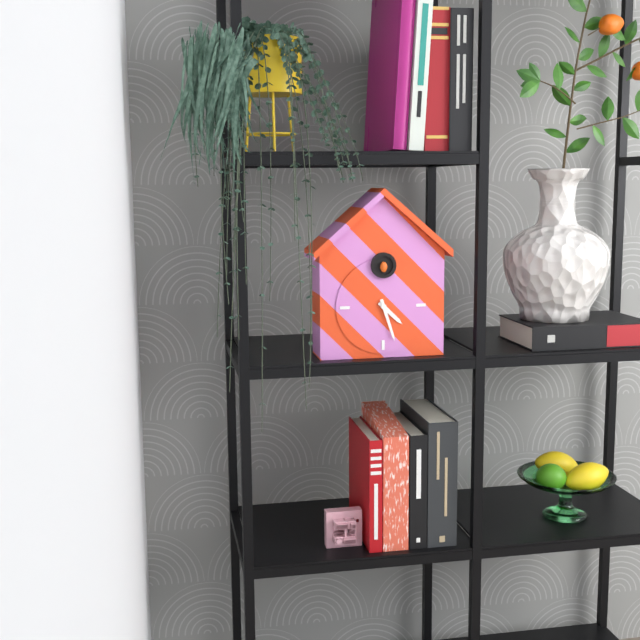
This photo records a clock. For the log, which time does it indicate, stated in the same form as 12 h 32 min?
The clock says 4 h 27 min
